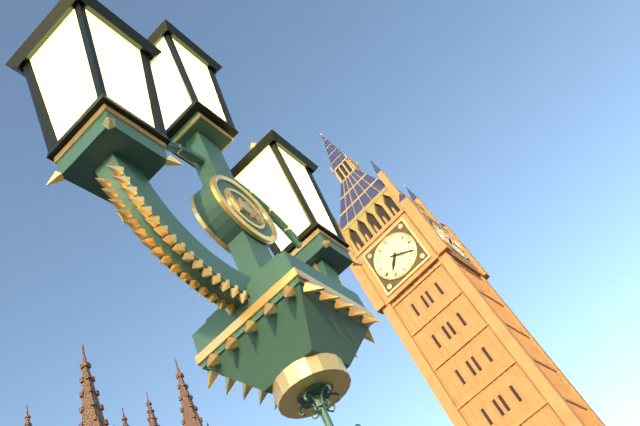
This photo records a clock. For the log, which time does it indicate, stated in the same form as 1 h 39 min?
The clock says 7 h 20 min
